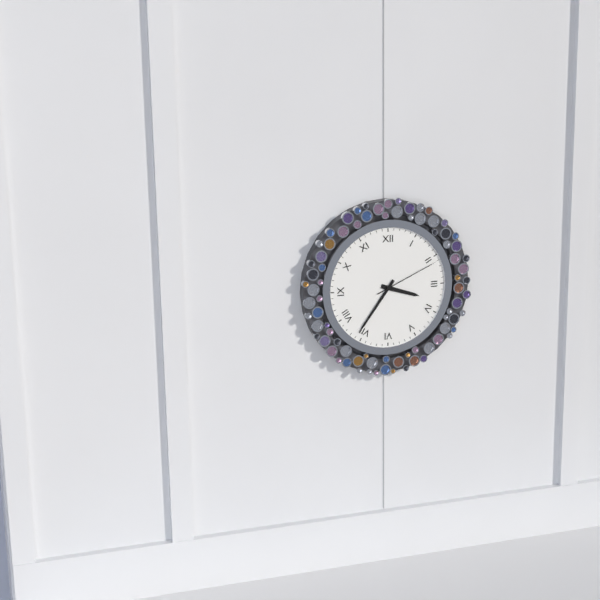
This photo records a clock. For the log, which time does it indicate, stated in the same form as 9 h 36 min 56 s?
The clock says 3 h 36 min 11 s
